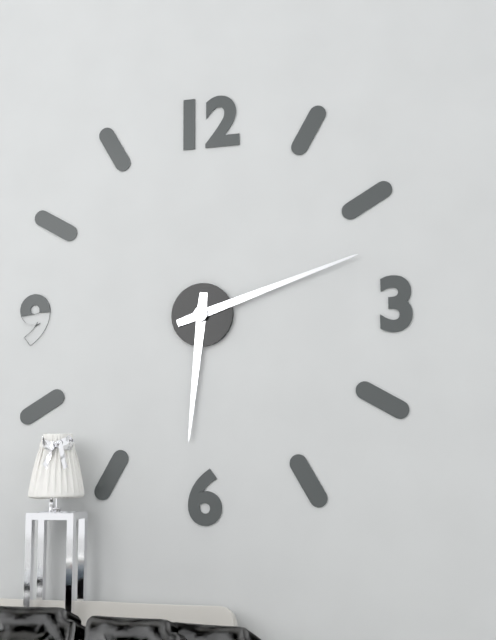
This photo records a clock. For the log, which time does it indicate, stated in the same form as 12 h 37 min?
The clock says 6 h 12 min
